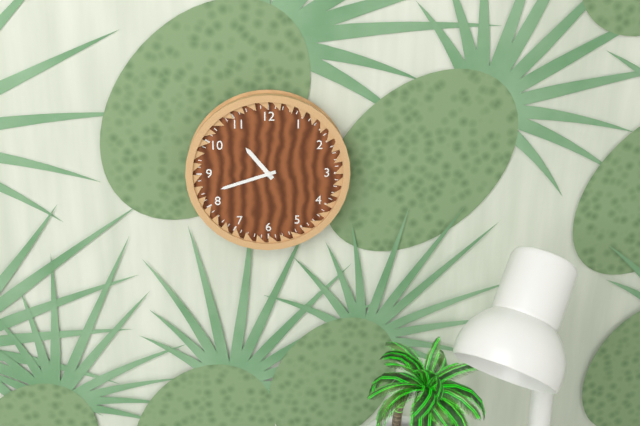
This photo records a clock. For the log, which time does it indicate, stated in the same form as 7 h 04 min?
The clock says 10 h 42 min
